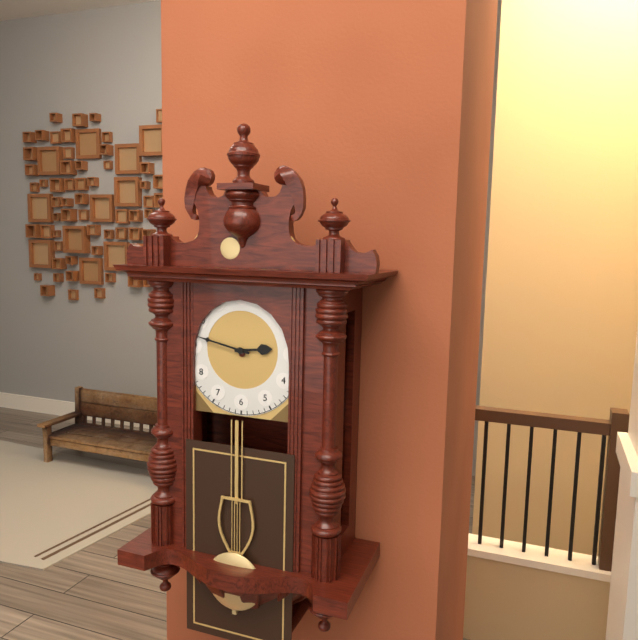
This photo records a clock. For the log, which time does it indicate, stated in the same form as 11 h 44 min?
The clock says 2 h 47 min
